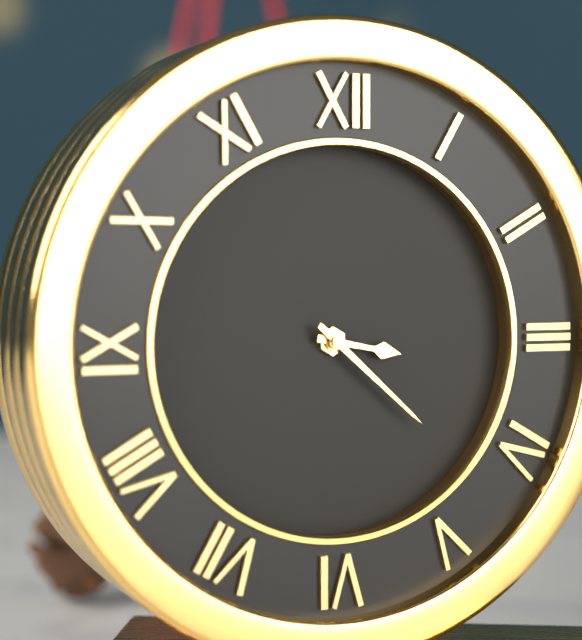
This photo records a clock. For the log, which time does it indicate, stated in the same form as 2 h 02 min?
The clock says 3 h 22 min
